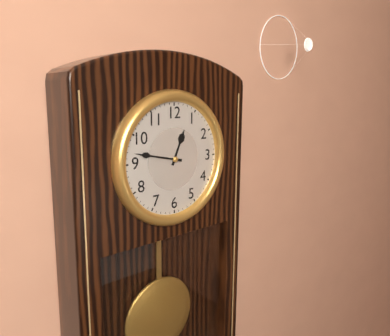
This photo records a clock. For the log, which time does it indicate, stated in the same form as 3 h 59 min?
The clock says 12 h 47 min
